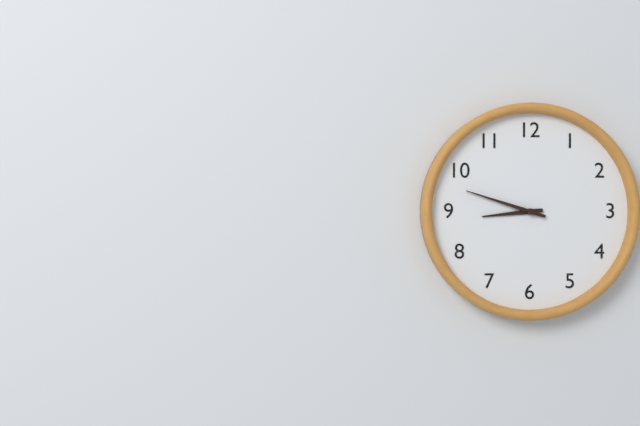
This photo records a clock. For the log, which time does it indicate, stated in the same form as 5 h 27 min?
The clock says 8 h 48 min
